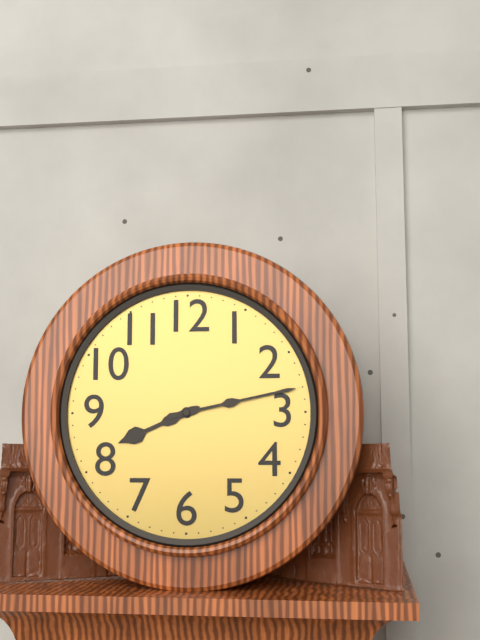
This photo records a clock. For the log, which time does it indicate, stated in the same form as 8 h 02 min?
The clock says 8 h 13 min
